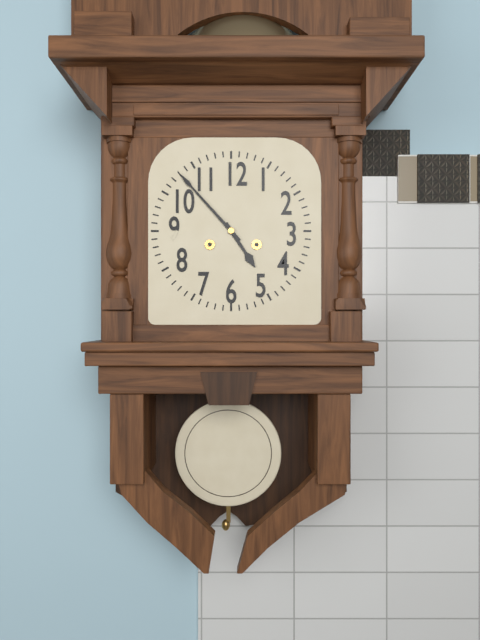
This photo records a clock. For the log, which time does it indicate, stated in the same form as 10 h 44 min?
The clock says 4 h 53 min
